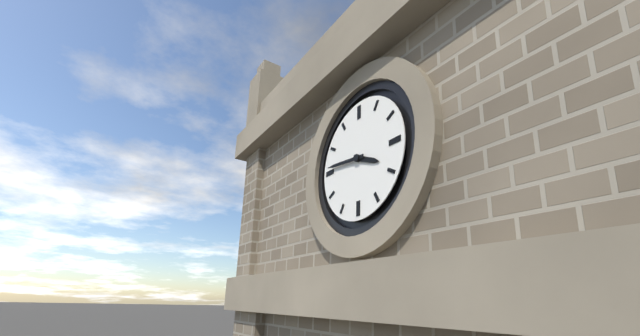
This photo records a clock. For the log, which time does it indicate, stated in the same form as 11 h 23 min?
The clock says 3 h 46 min
